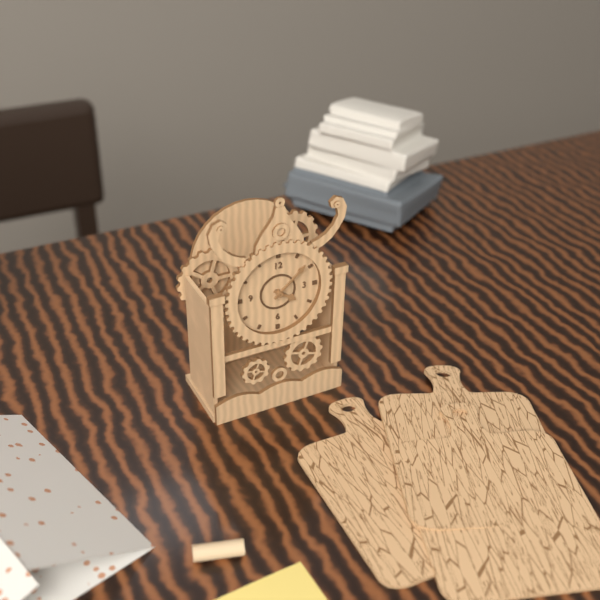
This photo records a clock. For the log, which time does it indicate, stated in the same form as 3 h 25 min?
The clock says 4 h 08 min
